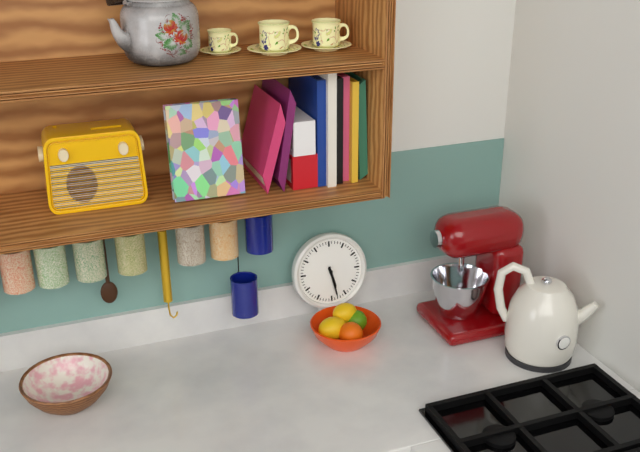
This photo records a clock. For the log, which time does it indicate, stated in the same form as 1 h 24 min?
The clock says 5 h 28 min
